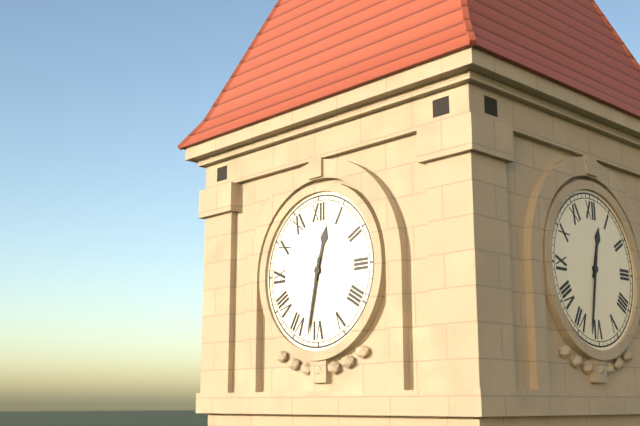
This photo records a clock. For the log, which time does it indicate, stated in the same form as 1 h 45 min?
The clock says 12 h 32 min
